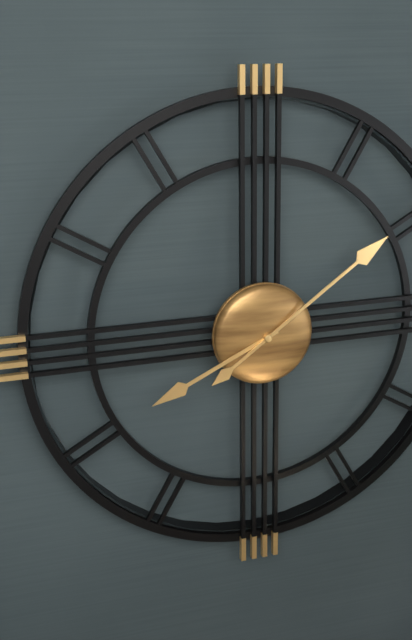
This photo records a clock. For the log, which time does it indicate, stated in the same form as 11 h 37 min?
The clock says 8 h 09 min
